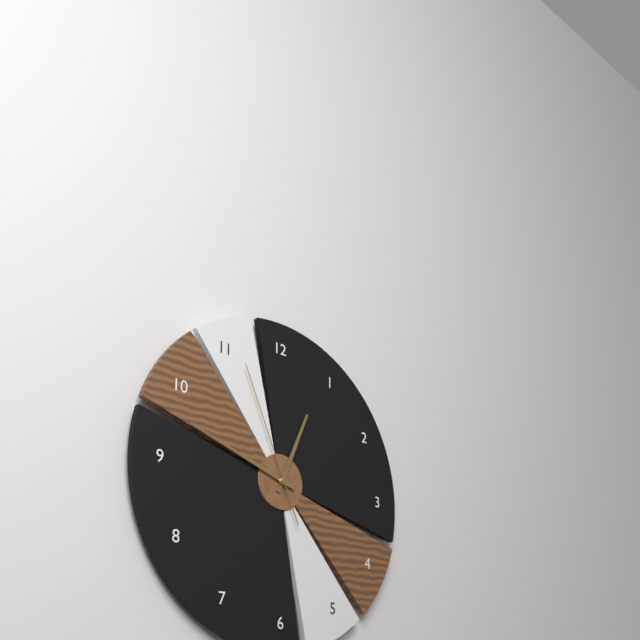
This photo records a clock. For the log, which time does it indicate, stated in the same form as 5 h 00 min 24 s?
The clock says 12 h 48 min 56 s
